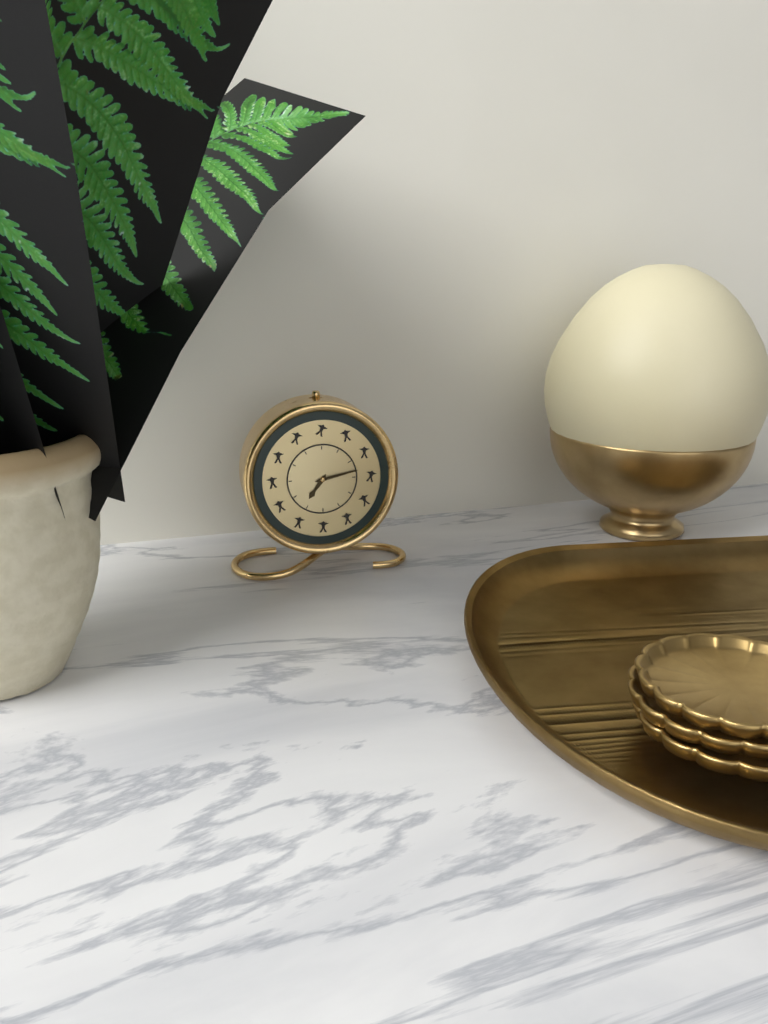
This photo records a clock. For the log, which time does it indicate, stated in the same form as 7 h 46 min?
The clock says 7 h 13 min
